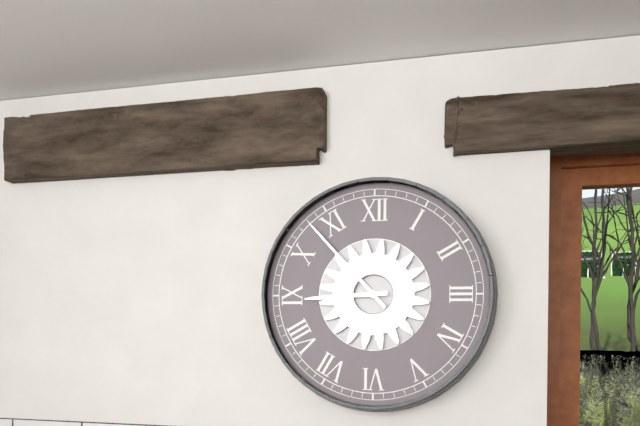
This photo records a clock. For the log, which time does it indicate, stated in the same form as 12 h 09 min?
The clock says 8 h 53 min
